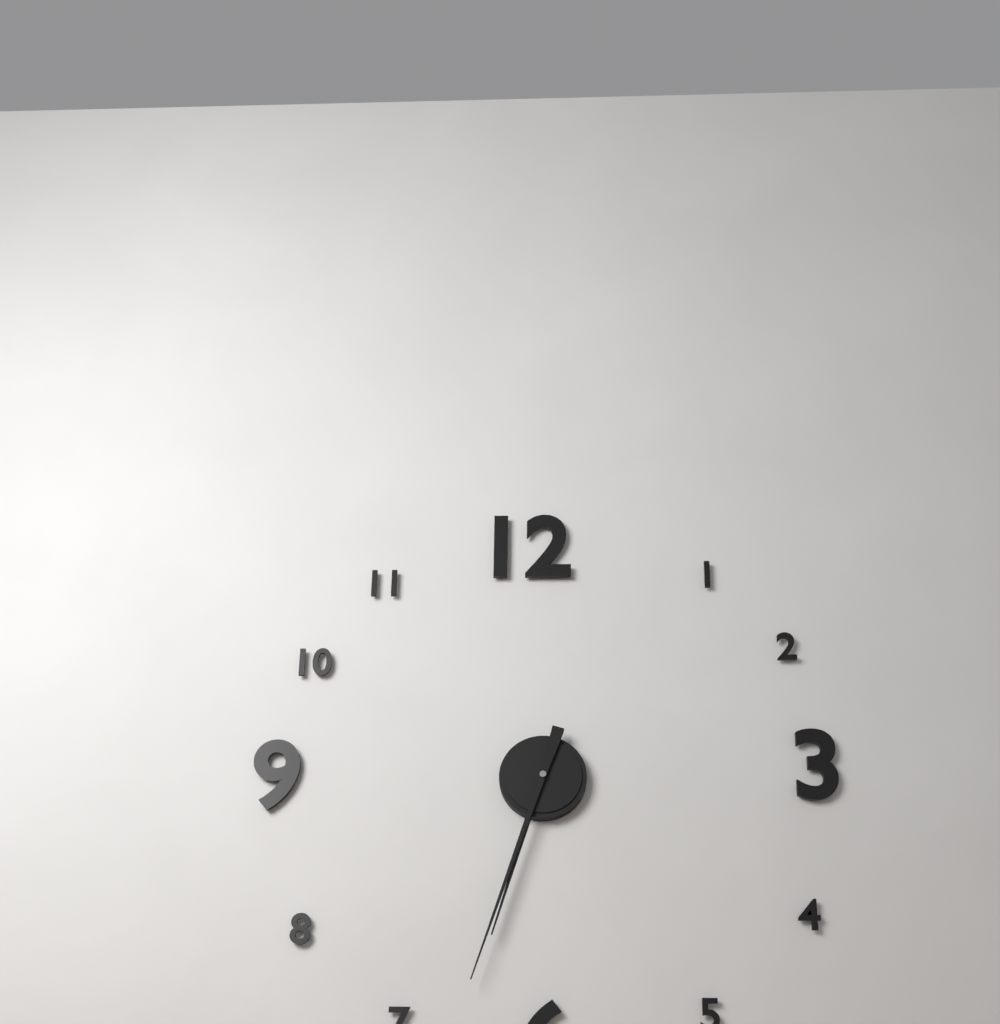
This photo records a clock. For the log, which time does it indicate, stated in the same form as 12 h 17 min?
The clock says 6 h 33 min
